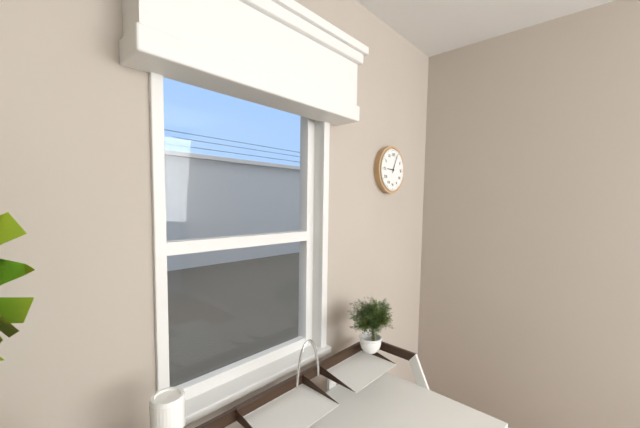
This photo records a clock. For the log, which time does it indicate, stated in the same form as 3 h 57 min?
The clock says 9 h 04 min
